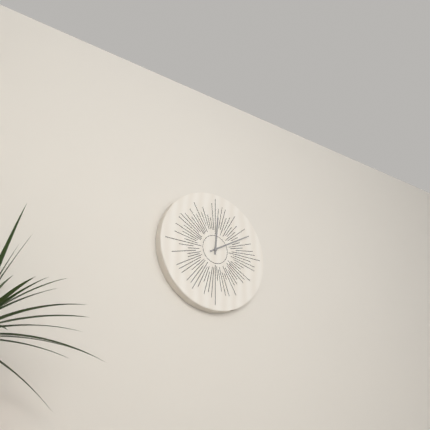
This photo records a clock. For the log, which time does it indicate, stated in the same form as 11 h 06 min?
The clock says 12 h 10 min
